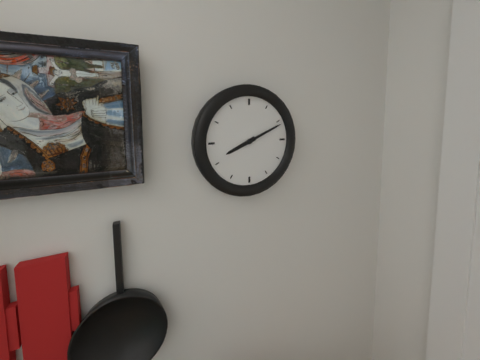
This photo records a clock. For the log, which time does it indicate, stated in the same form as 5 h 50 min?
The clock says 8 h 11 min
